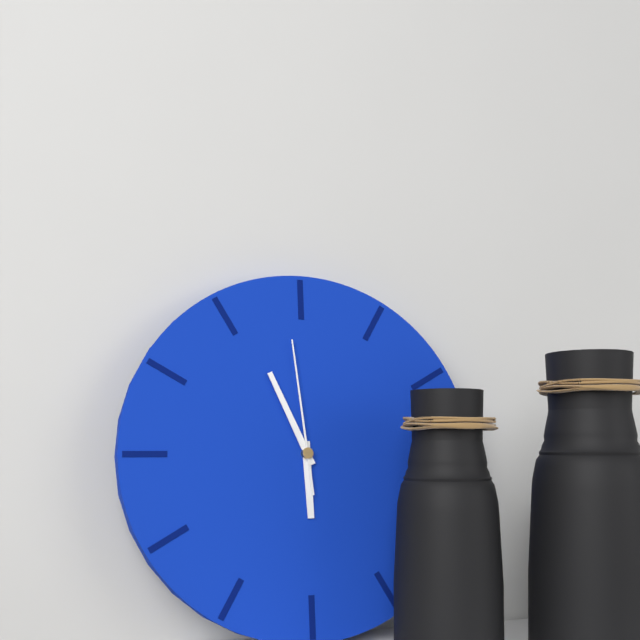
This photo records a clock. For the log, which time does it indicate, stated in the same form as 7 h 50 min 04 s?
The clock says 5 h 56 min 59 s
